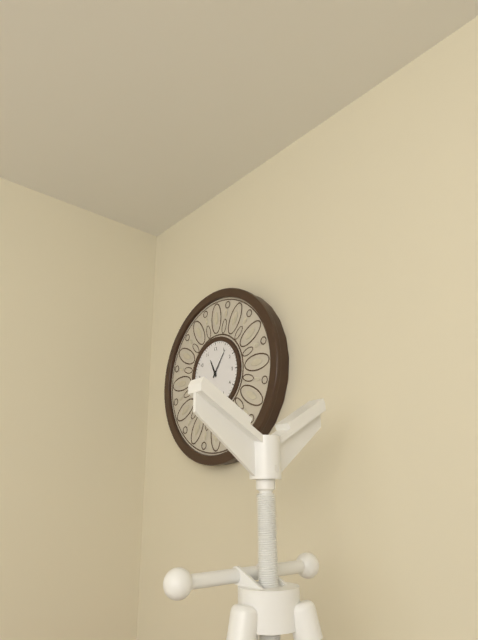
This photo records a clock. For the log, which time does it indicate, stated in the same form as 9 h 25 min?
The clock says 11 h 06 min
